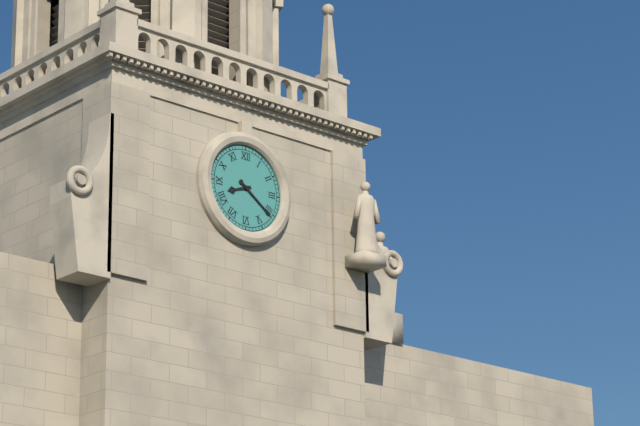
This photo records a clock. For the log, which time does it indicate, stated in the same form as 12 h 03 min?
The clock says 8 h 21 min
